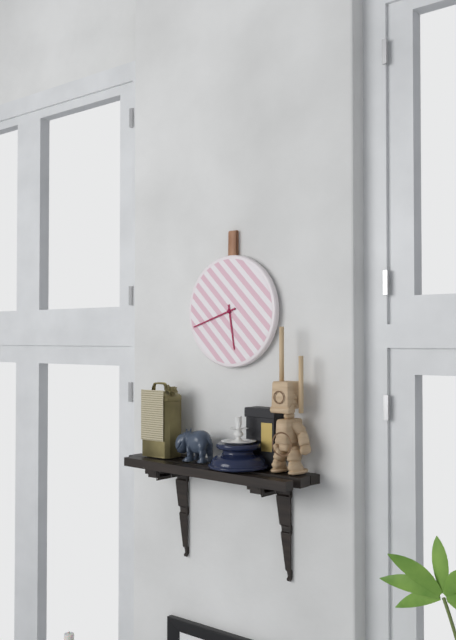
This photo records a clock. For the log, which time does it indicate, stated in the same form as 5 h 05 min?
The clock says 5 h 42 min
